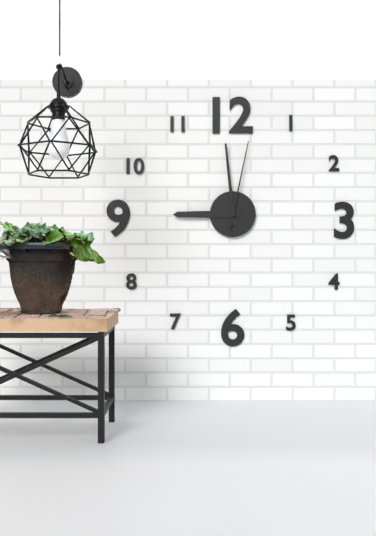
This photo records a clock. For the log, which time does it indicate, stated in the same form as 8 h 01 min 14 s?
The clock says 8 h 59 min 02 s
